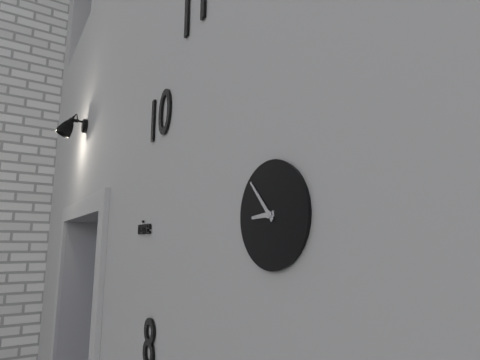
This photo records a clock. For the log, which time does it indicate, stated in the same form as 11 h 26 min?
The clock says 8 h 53 min
